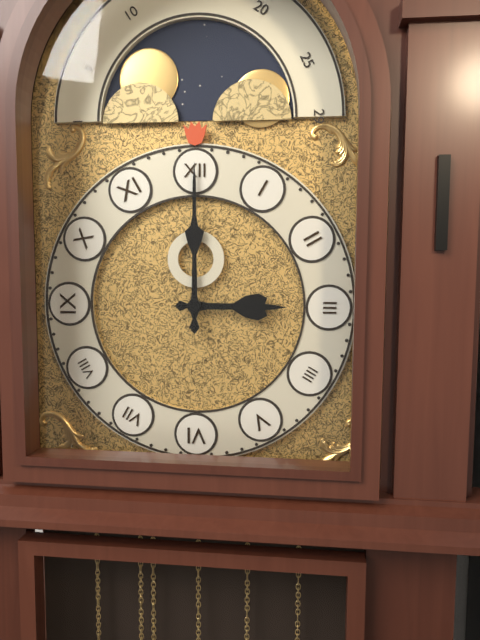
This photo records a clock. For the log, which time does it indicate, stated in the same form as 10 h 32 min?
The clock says 3 h 00 min
